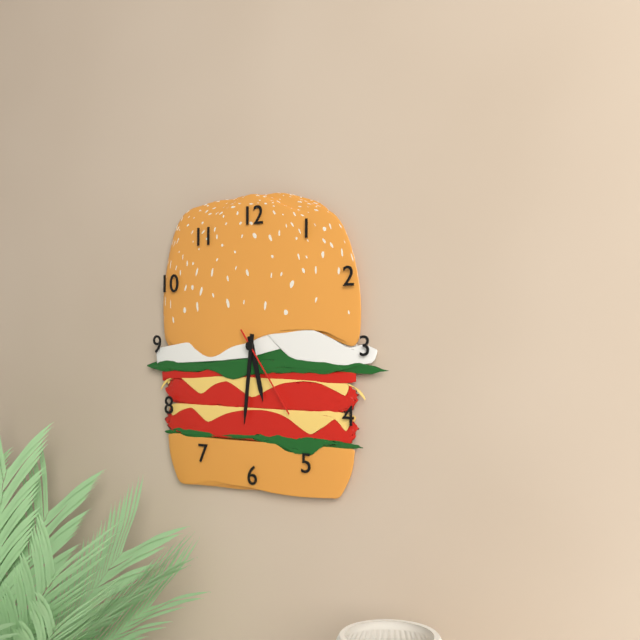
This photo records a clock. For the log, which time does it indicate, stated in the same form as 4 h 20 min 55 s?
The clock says 5 h 31 min 24 s
